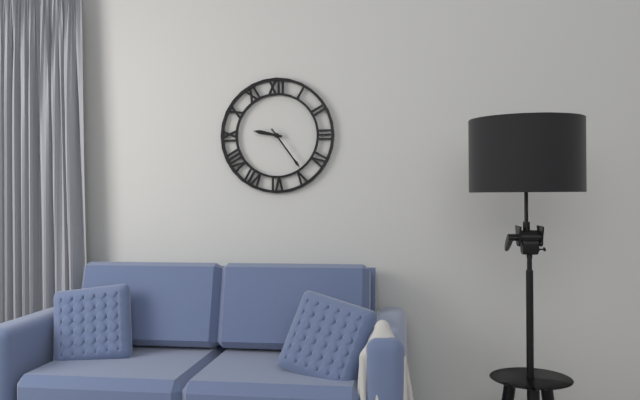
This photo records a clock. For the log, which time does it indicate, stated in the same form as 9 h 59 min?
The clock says 9 h 24 min
